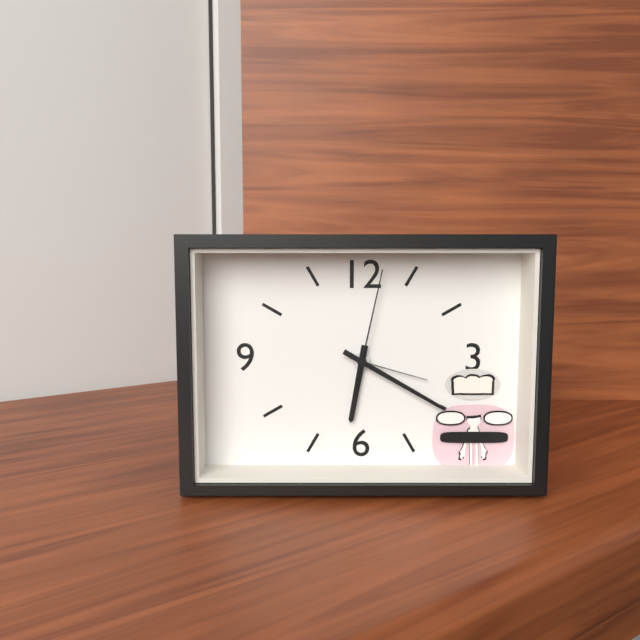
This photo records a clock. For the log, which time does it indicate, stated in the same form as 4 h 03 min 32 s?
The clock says 6 h 20 min 02 s
